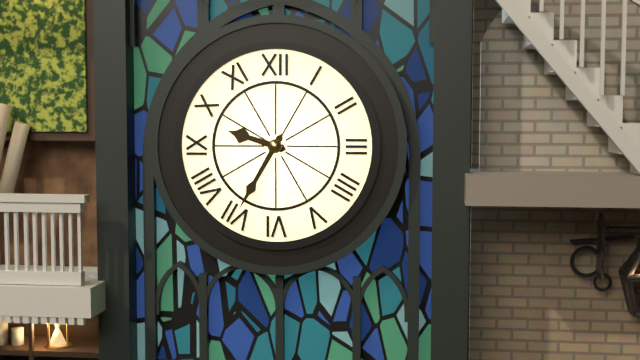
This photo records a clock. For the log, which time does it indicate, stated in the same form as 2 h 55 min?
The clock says 9 h 35 min
